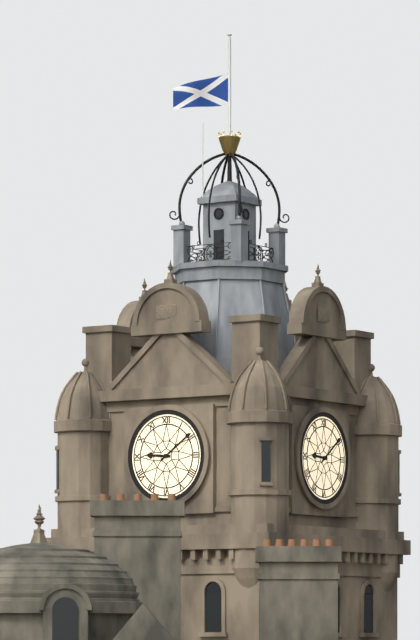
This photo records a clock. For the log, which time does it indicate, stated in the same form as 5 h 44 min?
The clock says 9 h 09 min
